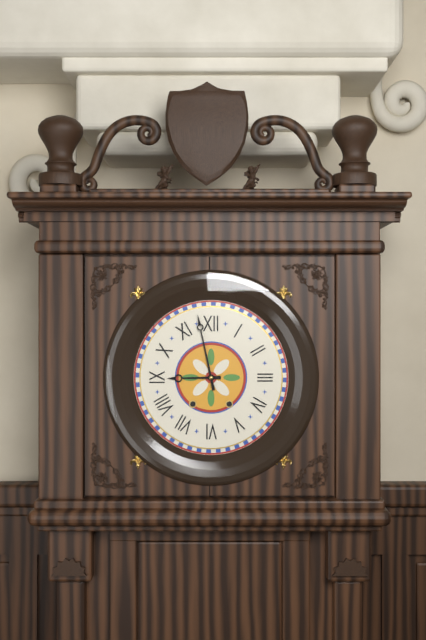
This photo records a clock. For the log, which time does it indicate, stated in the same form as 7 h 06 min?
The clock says 8 h 58 min
